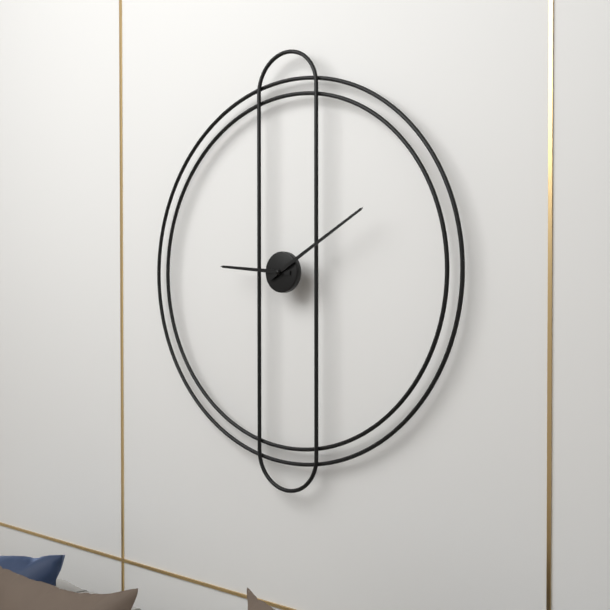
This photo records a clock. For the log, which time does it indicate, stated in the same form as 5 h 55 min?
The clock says 9 h 10 min
